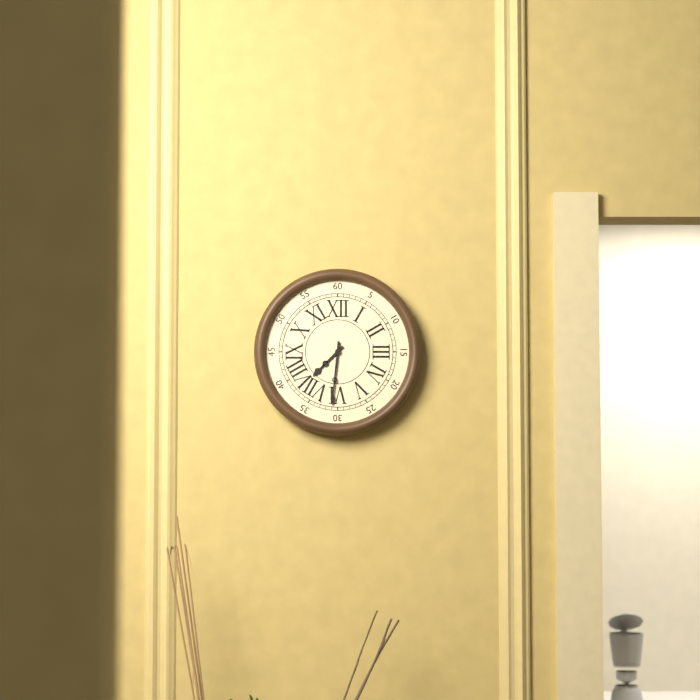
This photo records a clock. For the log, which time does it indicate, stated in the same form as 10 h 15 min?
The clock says 7 h 31 min
